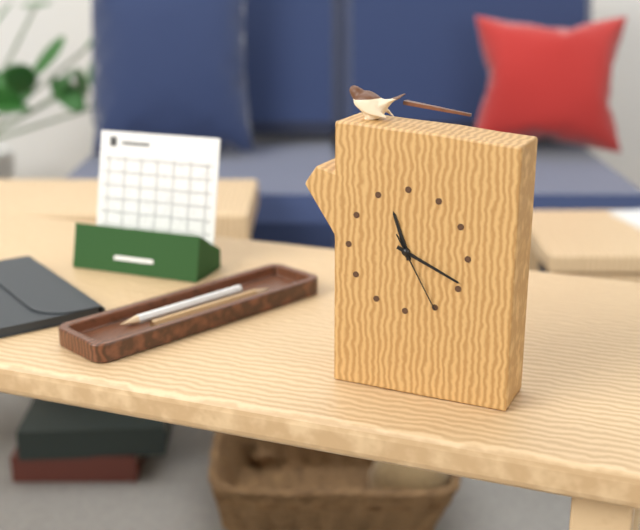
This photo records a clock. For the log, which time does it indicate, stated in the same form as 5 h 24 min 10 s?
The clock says 11 h 19 min 25 s
